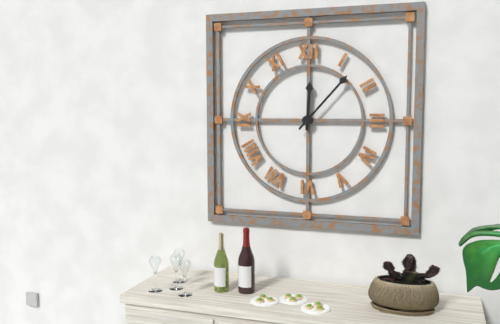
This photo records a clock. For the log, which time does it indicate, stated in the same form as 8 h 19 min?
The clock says 12 h 07 min
